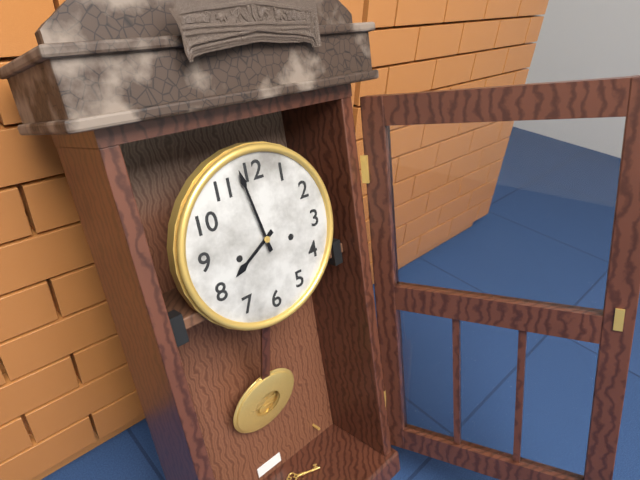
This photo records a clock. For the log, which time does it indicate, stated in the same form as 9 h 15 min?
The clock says 7 h 58 min
